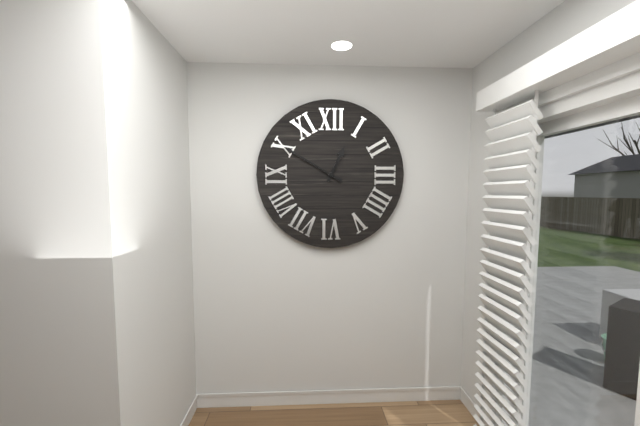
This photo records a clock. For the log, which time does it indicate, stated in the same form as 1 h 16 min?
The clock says 12 h 50 min
